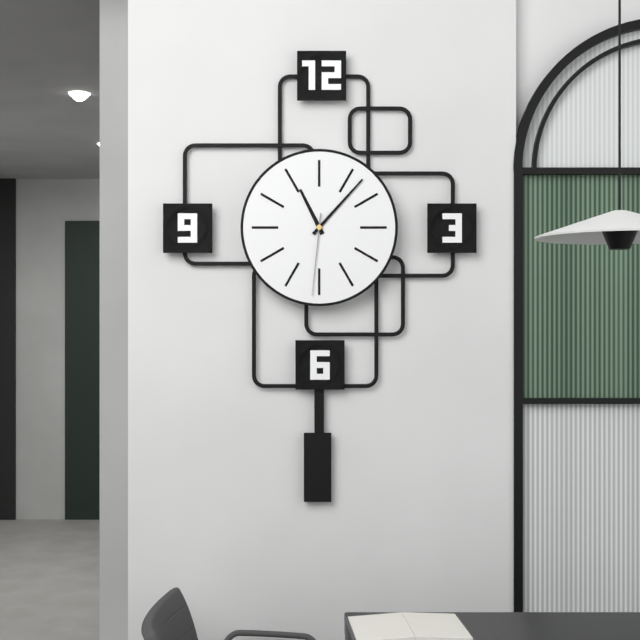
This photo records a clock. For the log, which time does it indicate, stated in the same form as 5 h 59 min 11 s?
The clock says 11 h 07 min 31 s
